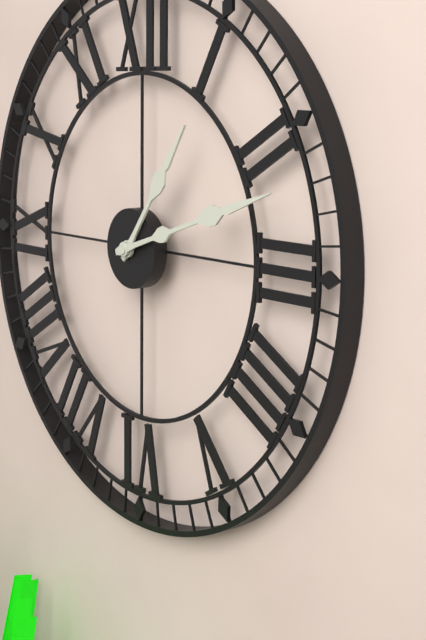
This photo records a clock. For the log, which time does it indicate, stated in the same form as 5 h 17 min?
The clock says 1 h 12 min
